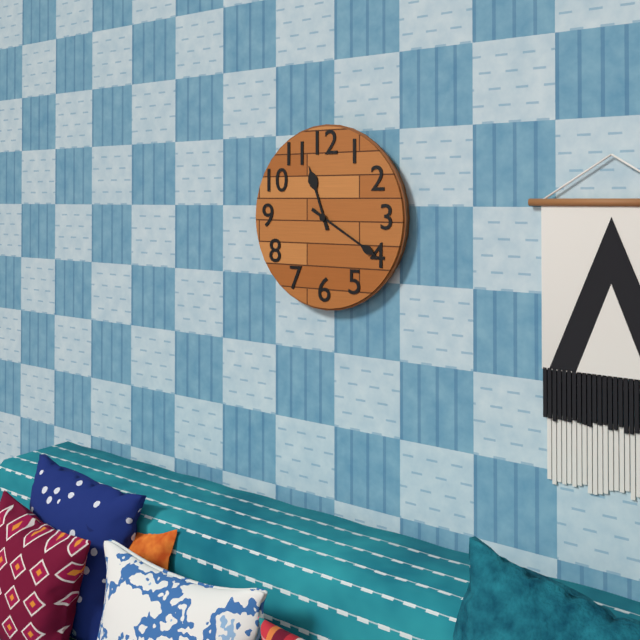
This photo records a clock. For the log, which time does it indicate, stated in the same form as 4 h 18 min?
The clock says 11 h 20 min
